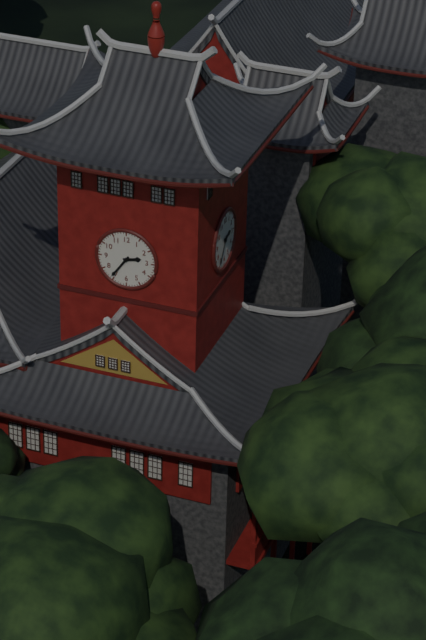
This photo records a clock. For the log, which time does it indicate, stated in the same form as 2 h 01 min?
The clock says 2 h 36 min
